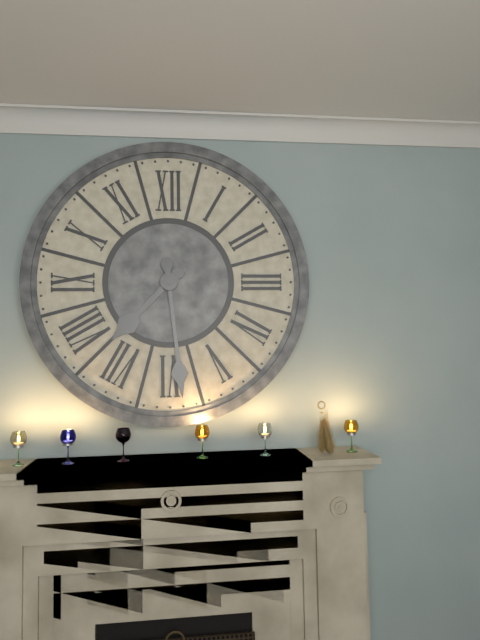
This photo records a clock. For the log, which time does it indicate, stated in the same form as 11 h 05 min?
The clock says 7 h 29 min
